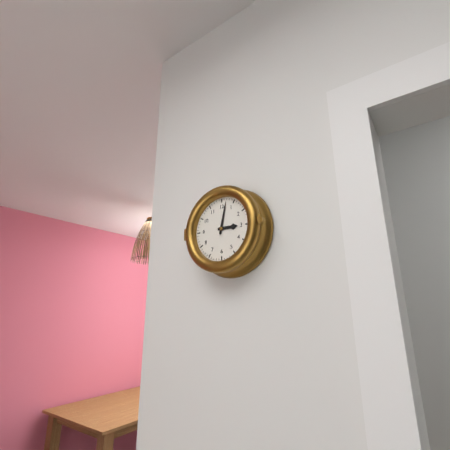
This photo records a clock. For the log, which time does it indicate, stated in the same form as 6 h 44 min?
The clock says 3 h 02 min
